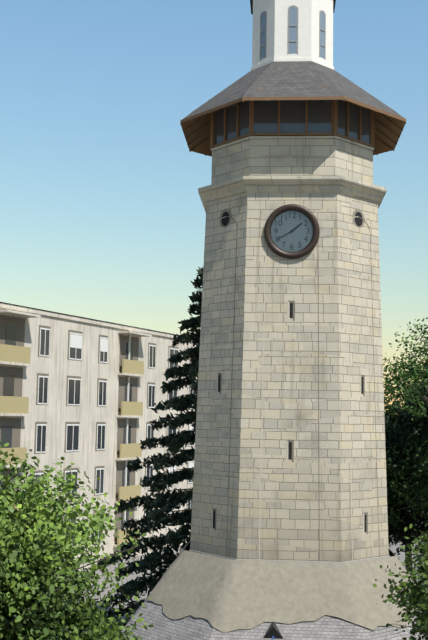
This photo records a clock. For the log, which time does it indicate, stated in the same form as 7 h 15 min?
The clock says 1 h 40 min
